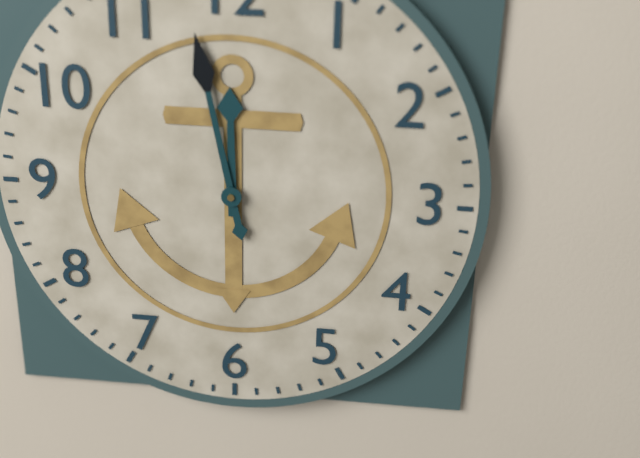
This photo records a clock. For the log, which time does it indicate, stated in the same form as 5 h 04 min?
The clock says 11 h 58 min
